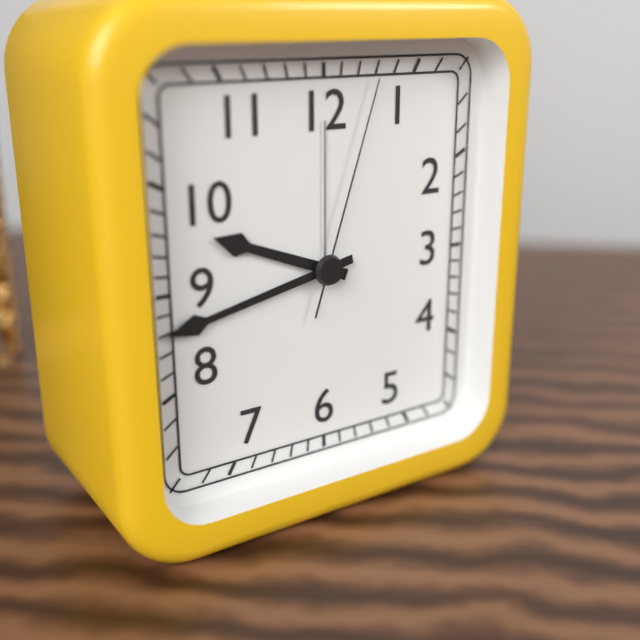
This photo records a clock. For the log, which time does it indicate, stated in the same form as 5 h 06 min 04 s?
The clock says 9 h 43 min 03 s
